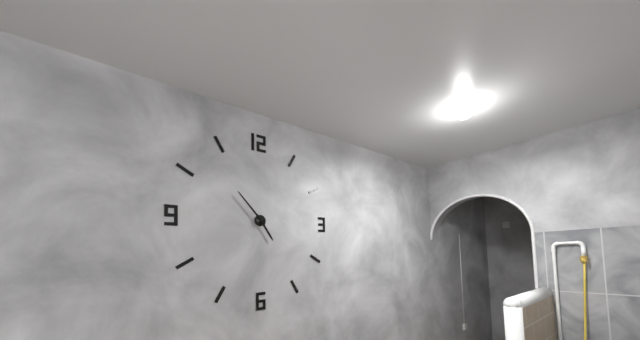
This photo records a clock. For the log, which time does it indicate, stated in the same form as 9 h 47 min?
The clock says 4 h 53 min
